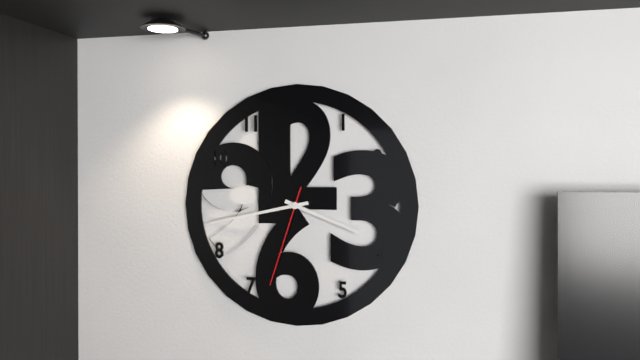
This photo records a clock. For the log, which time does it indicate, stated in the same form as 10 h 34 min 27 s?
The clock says 3 h 43 min 33 s
